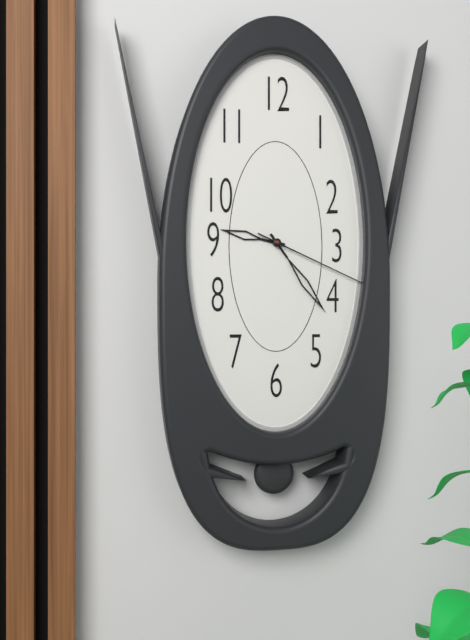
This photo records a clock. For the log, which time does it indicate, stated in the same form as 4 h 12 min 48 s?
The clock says 9 h 24 min 19 s
